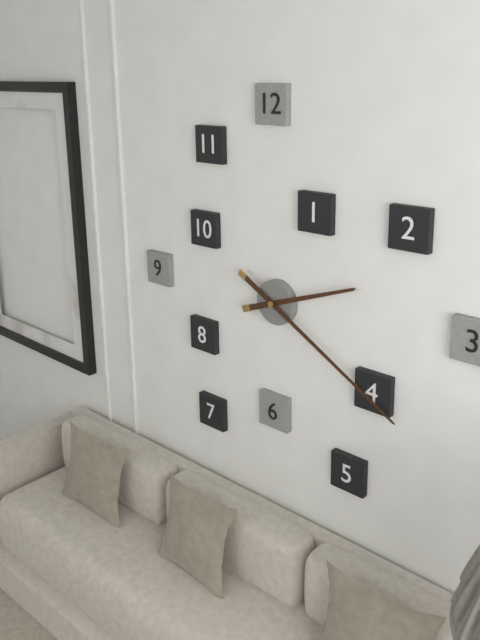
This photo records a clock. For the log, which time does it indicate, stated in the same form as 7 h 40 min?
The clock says 2 h 20 min
